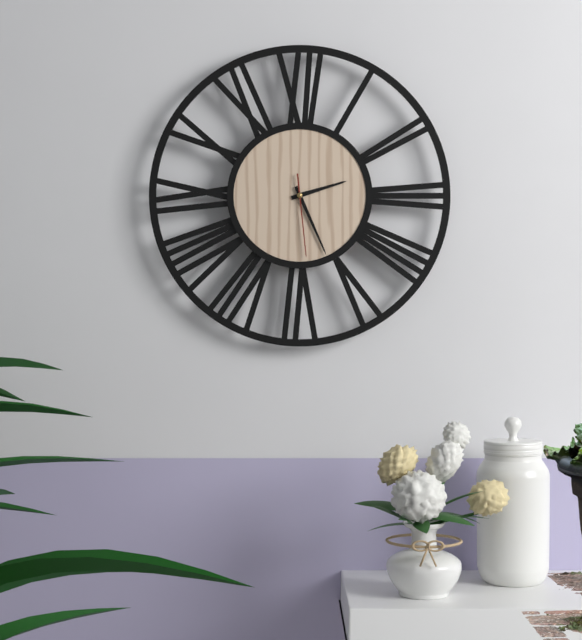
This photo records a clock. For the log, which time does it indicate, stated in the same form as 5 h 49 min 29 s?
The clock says 2 h 26 min 29 s
